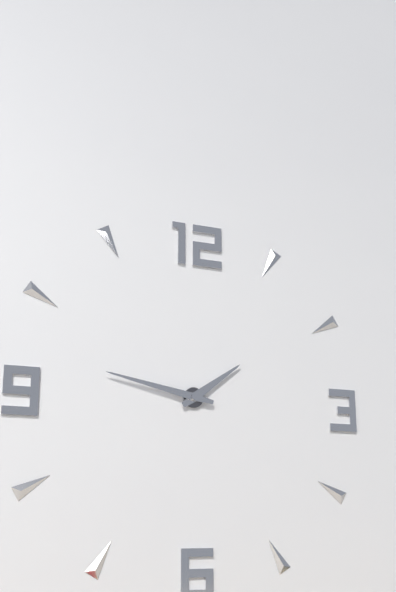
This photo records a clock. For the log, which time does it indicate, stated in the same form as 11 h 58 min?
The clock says 1 h 47 min
